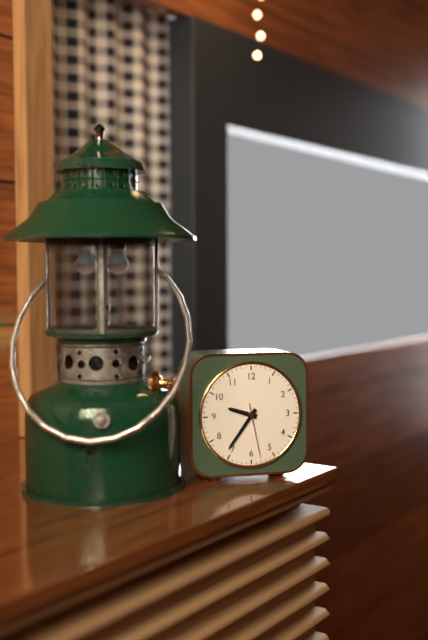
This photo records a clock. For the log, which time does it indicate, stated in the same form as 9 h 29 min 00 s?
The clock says 9 h 36 min 28 s
